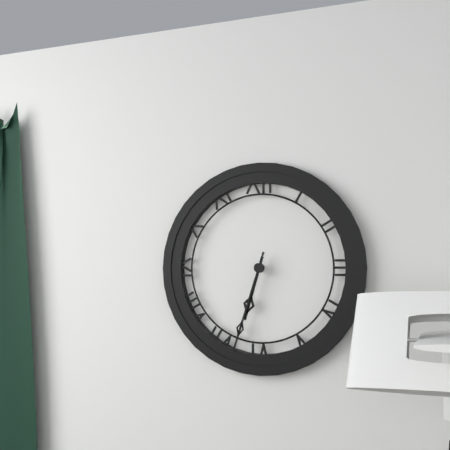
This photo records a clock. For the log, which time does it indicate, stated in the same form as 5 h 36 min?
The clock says 6 h 33 min
